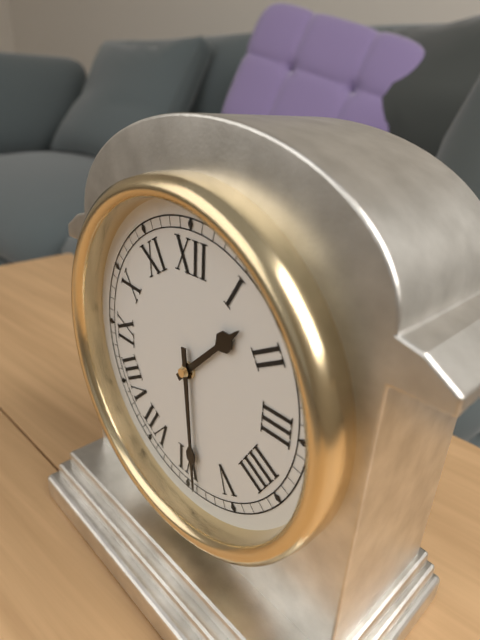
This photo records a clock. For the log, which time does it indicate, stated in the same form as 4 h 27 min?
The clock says 1 h 29 min
